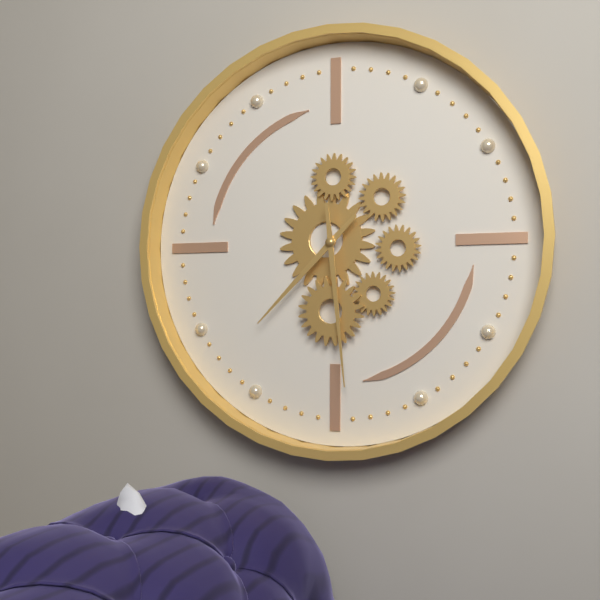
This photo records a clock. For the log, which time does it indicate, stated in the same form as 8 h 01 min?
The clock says 7 h 29 min
